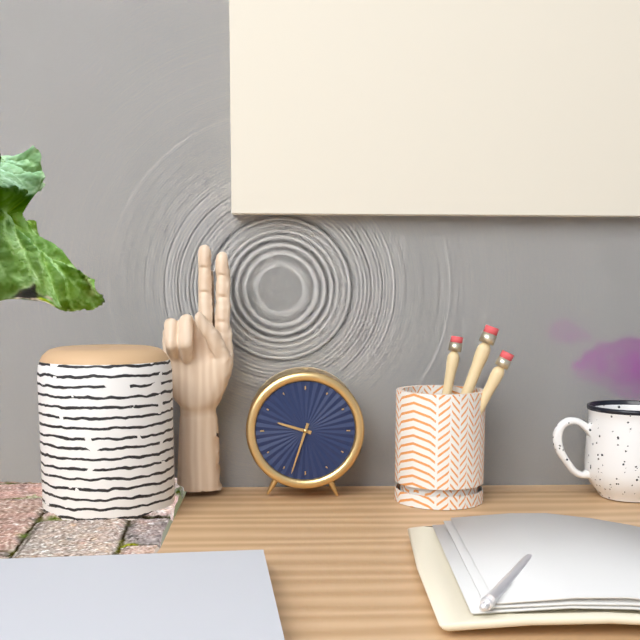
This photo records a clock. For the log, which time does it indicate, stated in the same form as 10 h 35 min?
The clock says 9 h 33 min
